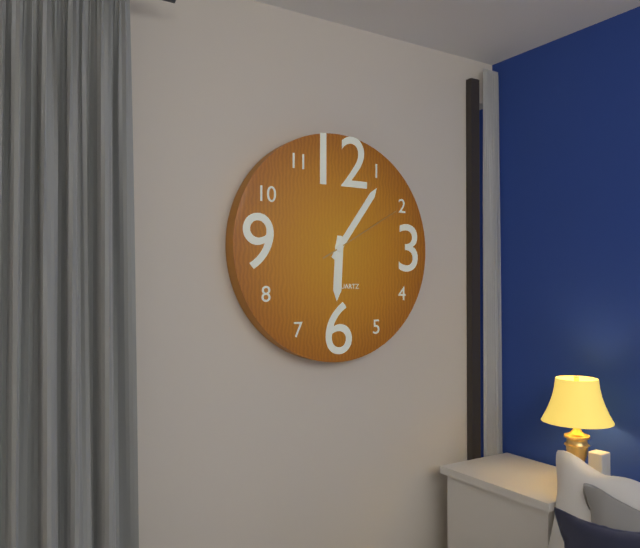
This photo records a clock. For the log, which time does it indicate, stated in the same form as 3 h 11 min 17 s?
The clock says 6 h 06 min 10 s
